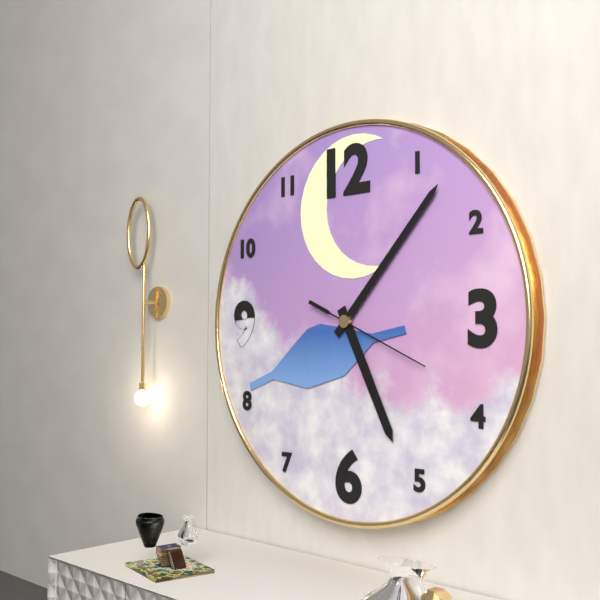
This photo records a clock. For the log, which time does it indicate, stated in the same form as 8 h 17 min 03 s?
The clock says 5 h 07 min 19 s
